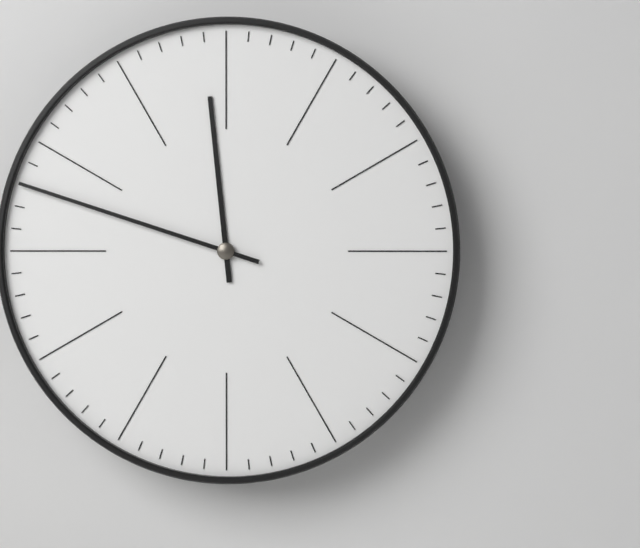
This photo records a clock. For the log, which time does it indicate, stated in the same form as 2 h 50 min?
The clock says 11 h 48 min
